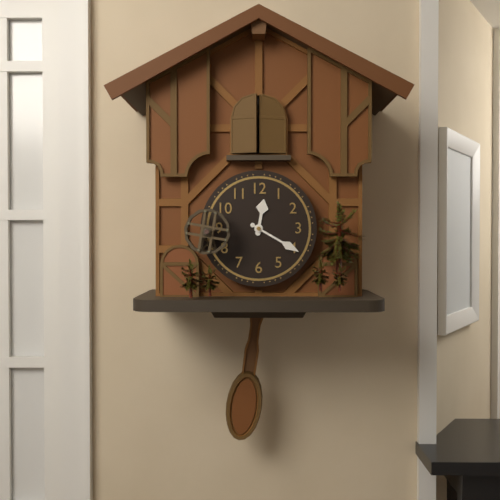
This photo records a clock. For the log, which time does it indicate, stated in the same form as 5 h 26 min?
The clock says 12 h 20 min
